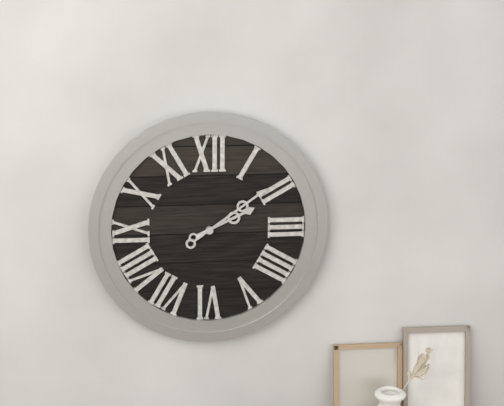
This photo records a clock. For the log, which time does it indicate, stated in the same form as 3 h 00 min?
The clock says 2 h 09 min
